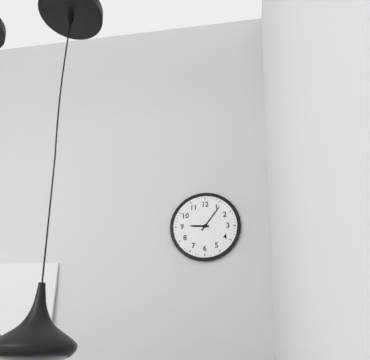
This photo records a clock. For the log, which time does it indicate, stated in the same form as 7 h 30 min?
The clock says 9 h 06 min
